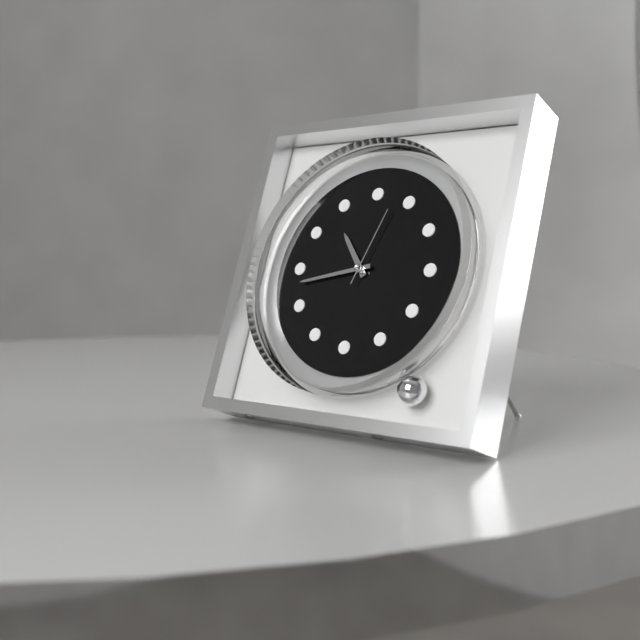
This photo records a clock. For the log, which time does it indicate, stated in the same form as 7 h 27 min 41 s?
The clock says 10 h 43 min 03 s
